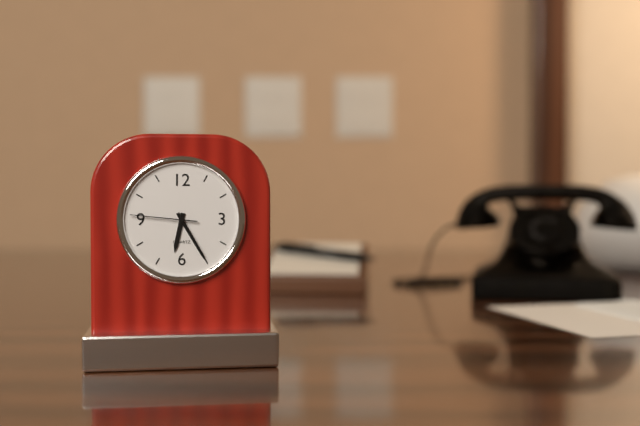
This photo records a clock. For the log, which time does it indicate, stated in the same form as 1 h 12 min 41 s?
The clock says 6 h 25 min 46 s
